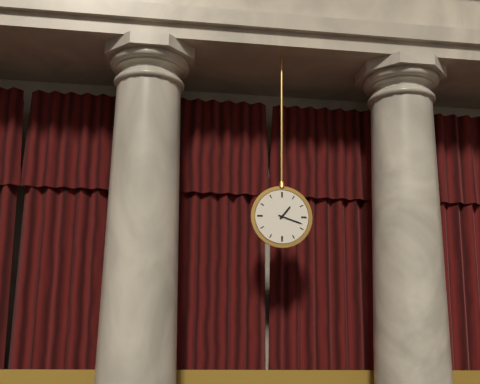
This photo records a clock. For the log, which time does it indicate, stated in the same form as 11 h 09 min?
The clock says 1 h 18 min
